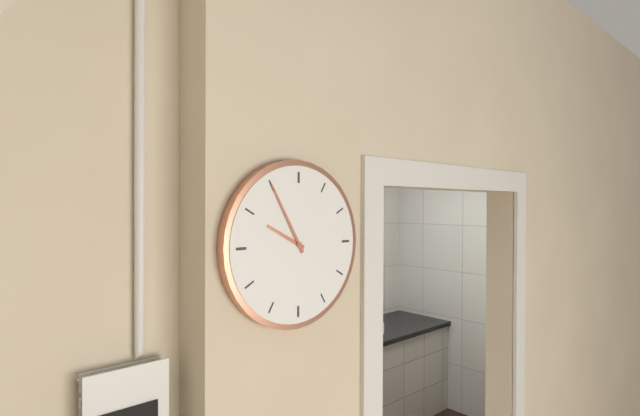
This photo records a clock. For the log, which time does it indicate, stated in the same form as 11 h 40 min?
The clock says 9 h 55 min
